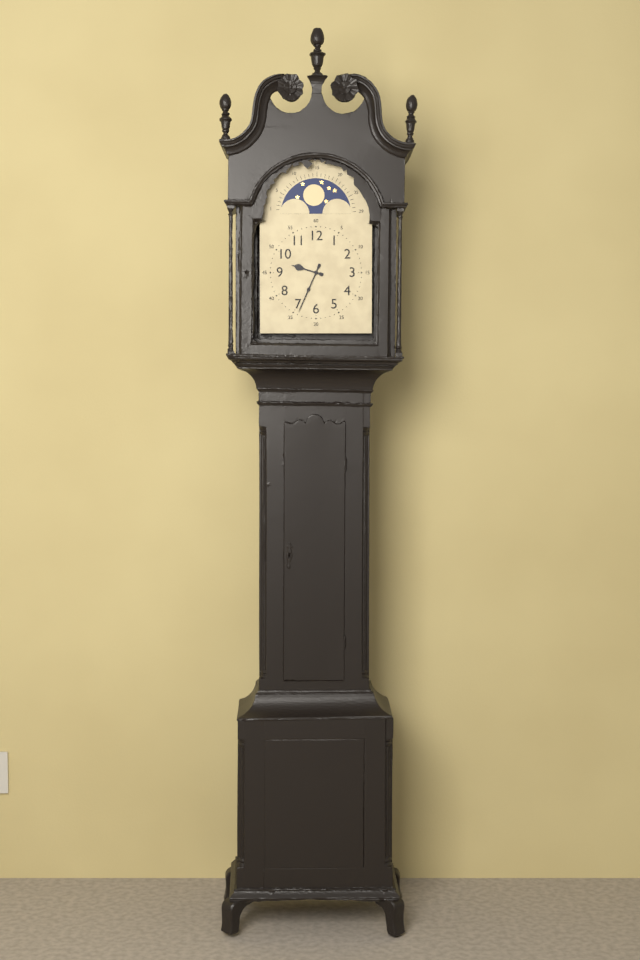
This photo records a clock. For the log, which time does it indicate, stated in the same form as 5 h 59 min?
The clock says 9 h 34 min
